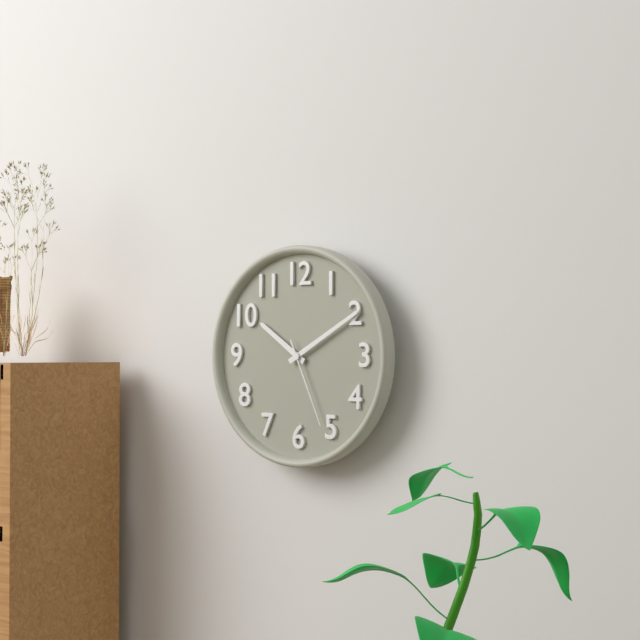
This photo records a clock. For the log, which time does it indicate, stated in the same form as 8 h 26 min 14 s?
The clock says 10 h 10 min 26 s
